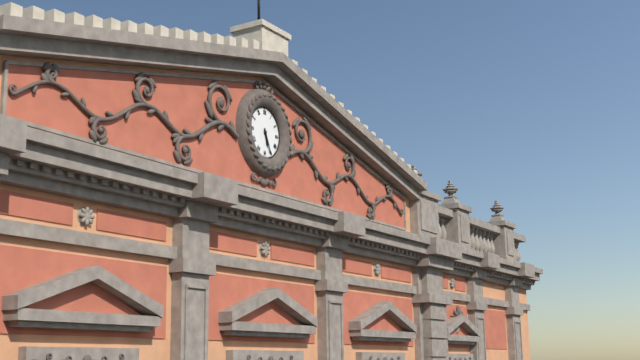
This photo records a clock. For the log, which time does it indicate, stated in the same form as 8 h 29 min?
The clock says 5 h 26 min
